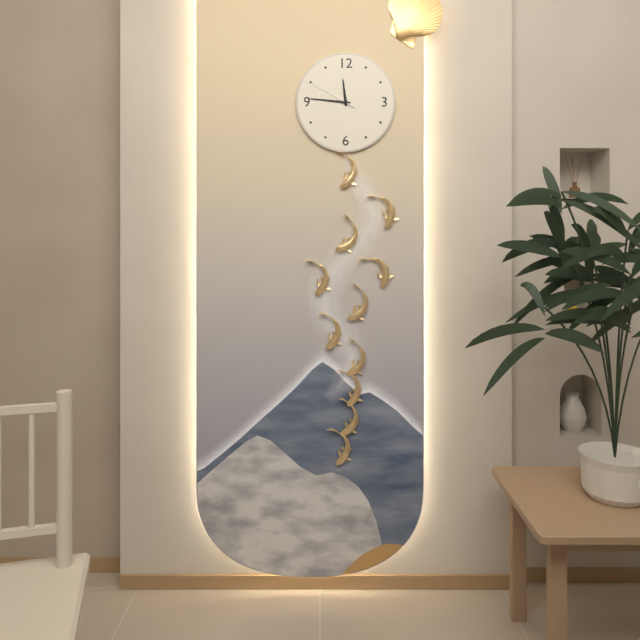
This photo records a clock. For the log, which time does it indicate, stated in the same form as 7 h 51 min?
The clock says 11 h 46 min
